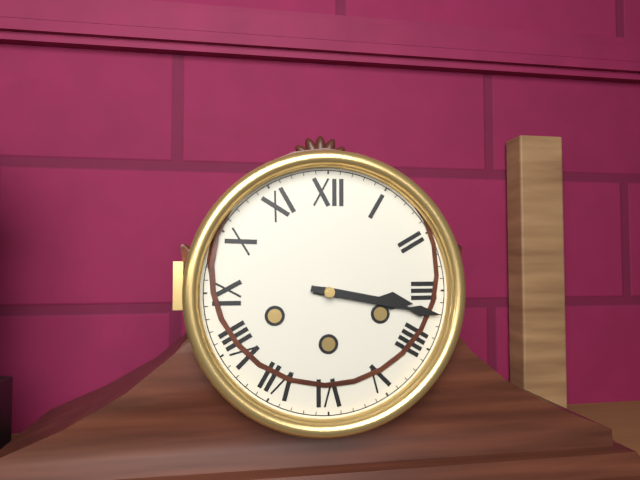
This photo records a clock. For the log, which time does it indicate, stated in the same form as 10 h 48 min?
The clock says 3 h 17 min
